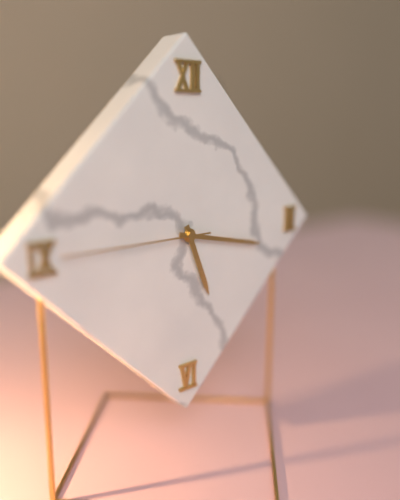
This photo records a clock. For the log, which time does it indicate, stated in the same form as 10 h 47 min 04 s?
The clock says 5 h 17 min 45 s
